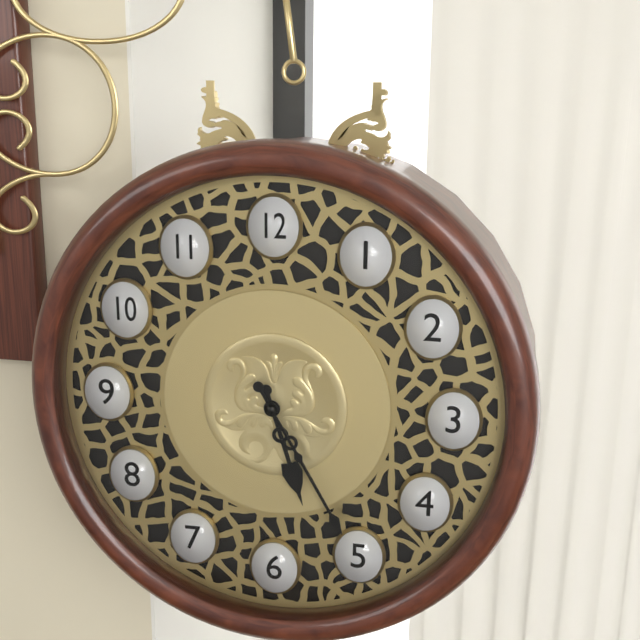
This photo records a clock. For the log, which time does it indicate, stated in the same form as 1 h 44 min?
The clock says 5 h 25 min
